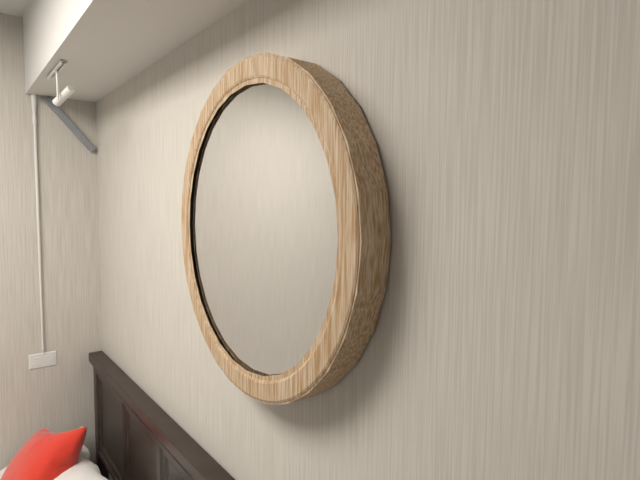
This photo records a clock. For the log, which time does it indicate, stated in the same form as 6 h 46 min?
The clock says 11 h 28 min
